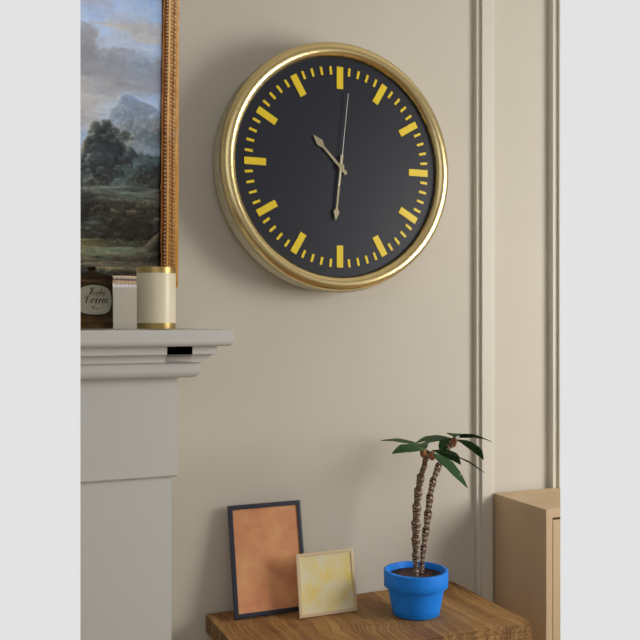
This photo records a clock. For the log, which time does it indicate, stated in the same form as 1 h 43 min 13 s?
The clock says 10 h 31 min 01 s
